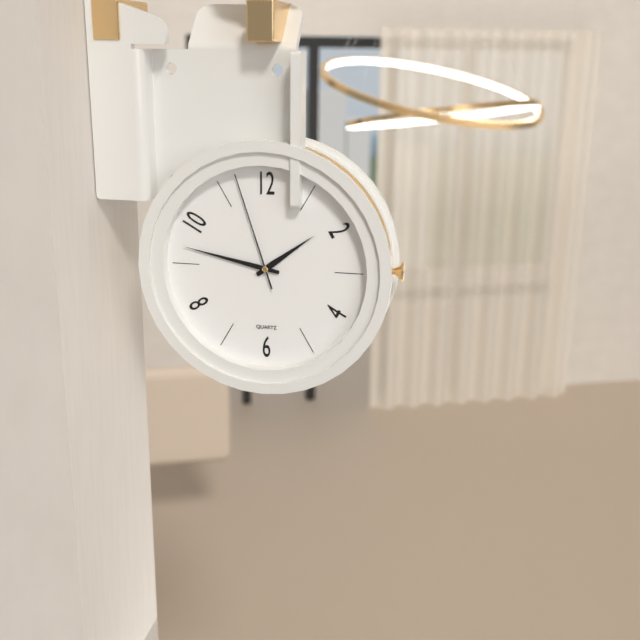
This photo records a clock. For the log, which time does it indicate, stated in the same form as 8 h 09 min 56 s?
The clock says 1 h 47 min 57 s
